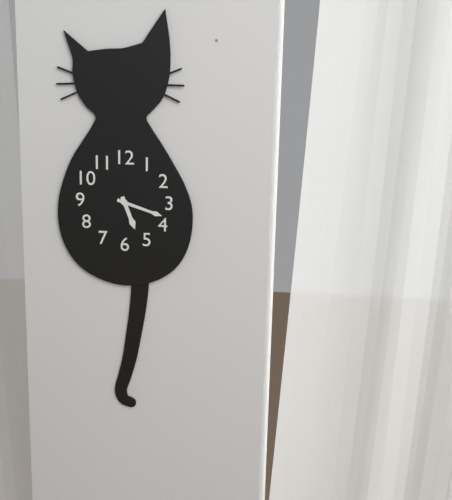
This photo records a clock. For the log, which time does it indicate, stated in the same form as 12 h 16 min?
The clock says 5 h 18 min
